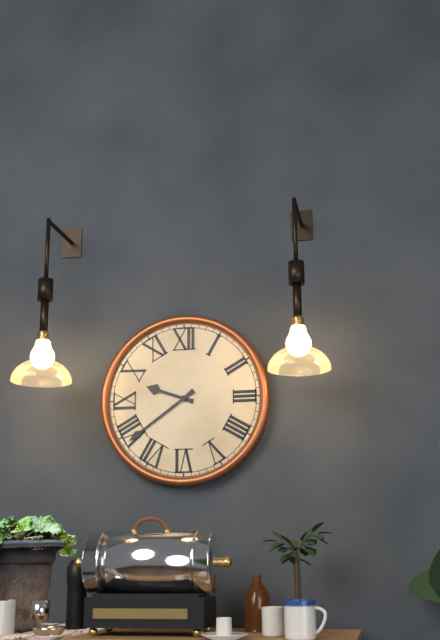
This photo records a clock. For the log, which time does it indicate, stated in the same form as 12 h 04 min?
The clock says 9 h 39 min
